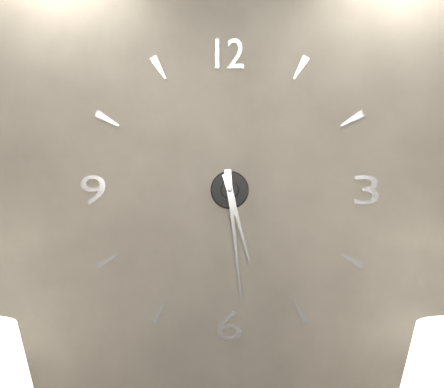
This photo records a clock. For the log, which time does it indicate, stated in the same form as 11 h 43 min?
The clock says 5 h 29 min
